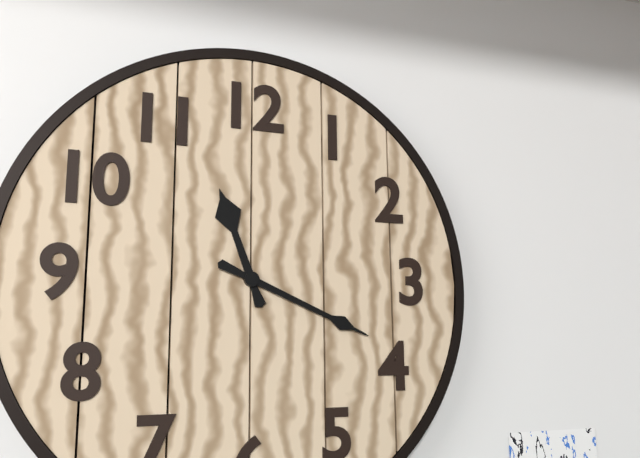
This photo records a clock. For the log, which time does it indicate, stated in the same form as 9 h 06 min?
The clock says 11 h 19 min
